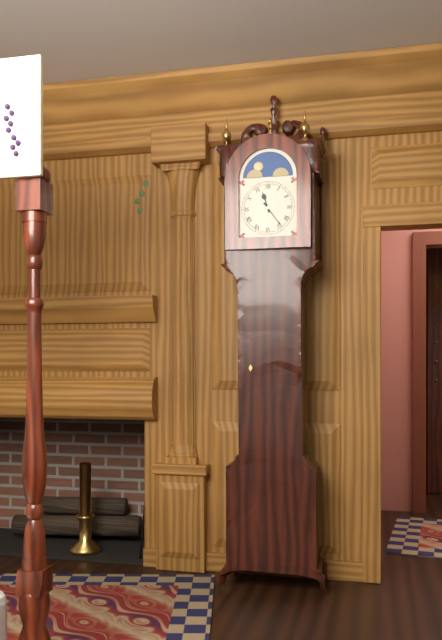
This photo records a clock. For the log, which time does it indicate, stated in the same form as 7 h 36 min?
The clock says 11 h 24 min
